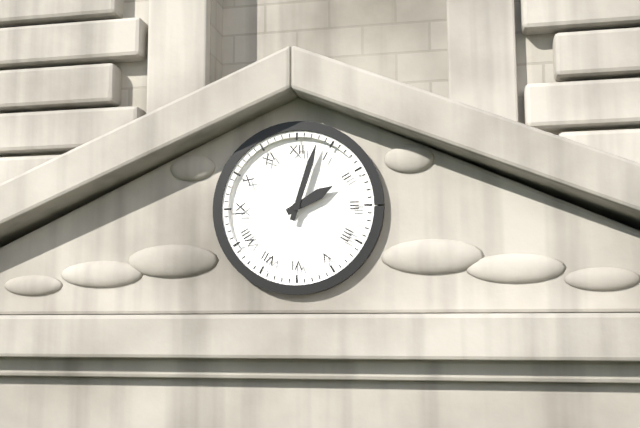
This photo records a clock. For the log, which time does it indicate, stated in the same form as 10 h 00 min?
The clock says 2 h 03 min
